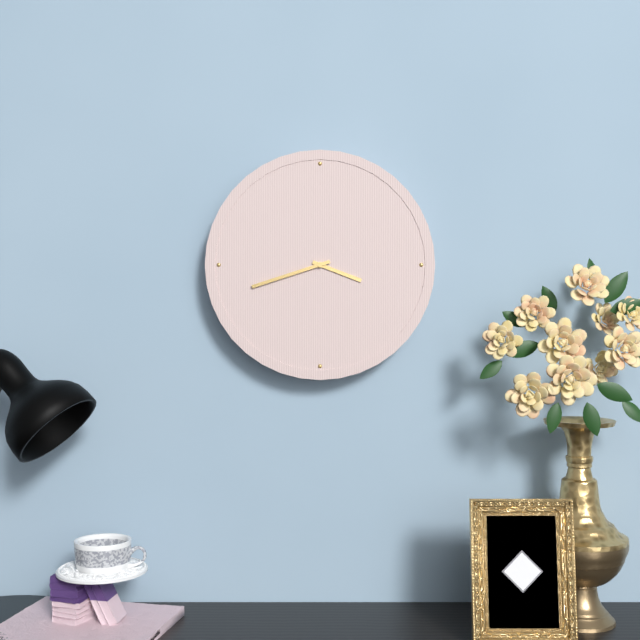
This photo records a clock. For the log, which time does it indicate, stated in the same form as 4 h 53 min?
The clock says 3 h 42 min
